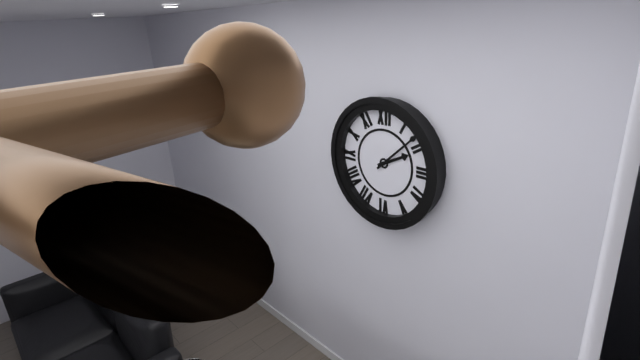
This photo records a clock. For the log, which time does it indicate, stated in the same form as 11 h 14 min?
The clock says 2 h 08 min
